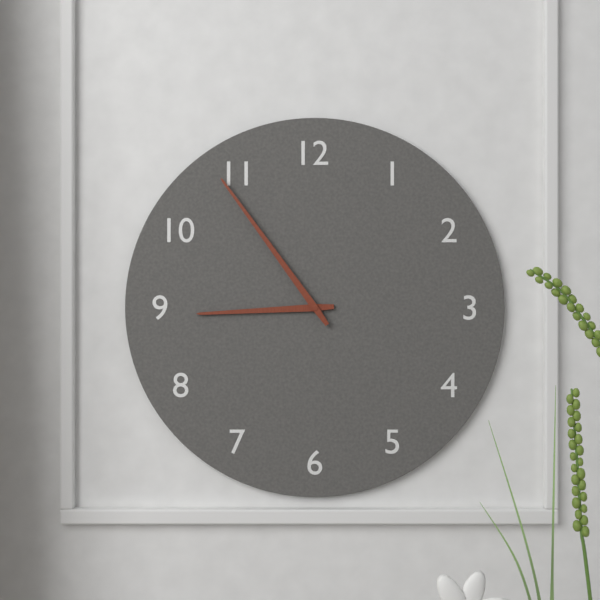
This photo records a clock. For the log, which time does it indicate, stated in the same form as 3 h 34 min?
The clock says 8 h 54 min
